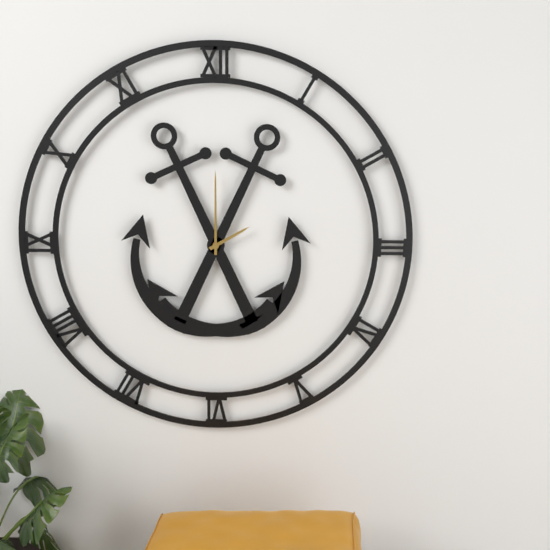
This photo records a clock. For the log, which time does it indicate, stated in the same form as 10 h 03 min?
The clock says 2 h 00 min
